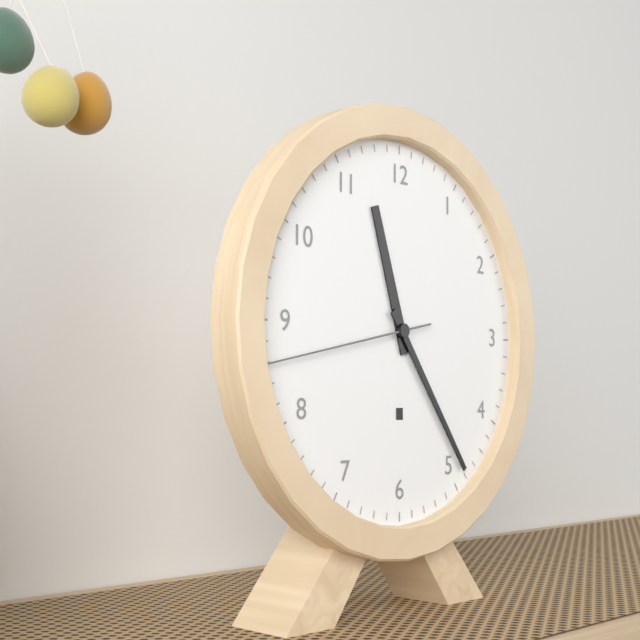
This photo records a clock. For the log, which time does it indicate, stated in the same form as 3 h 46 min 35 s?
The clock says 11 h 24 min 43 s
